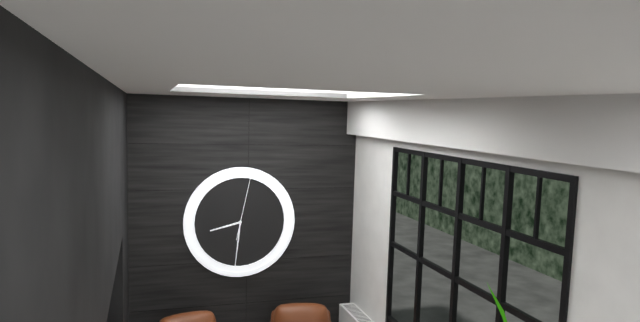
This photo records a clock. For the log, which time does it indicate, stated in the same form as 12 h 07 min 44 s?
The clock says 8 h 31 min 02 s
